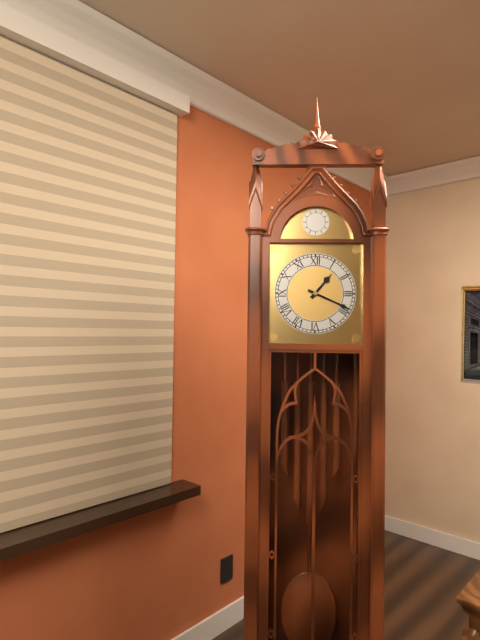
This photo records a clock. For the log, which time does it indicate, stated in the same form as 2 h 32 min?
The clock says 1 h 19 min
